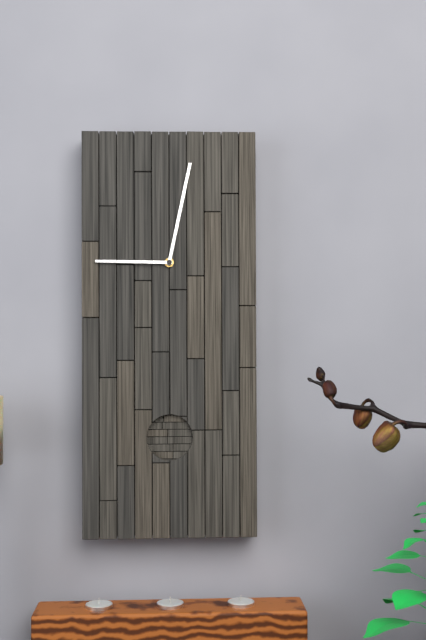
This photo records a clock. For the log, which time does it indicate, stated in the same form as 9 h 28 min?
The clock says 9 h 02 min
